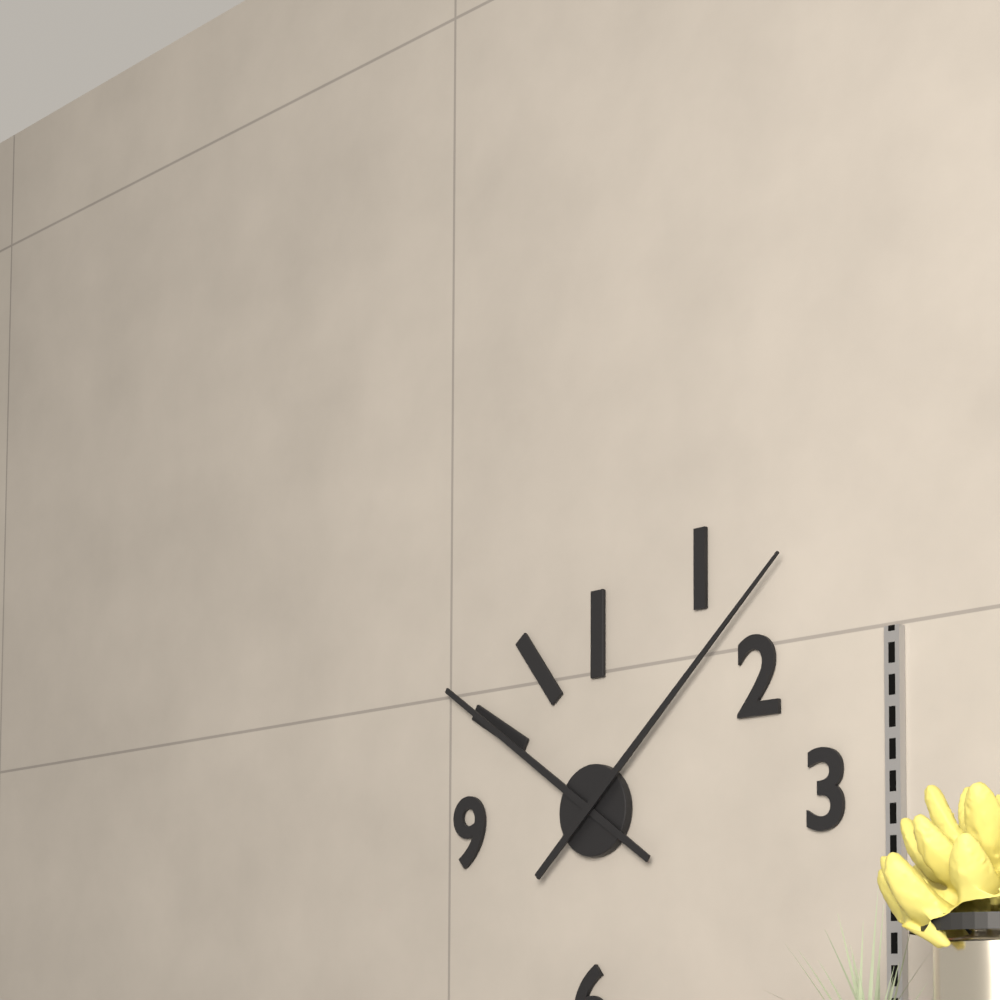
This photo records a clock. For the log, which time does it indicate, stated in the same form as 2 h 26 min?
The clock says 10 h 08 min
